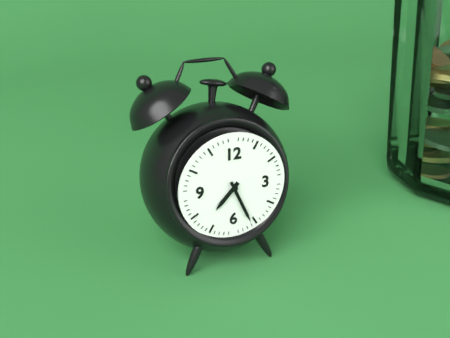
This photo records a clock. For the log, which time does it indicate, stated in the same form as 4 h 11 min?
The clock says 7 h 26 min
